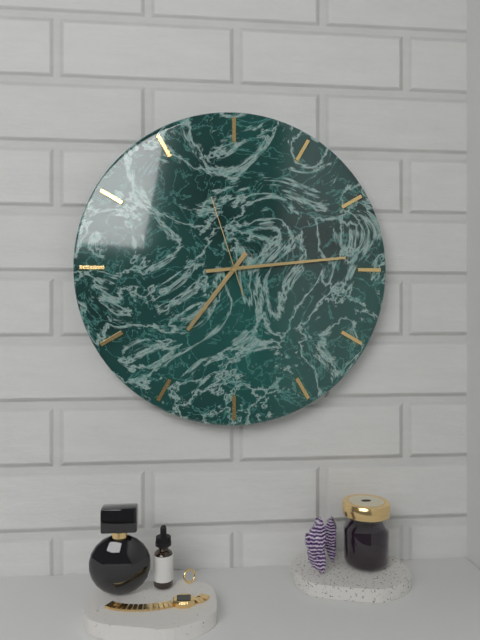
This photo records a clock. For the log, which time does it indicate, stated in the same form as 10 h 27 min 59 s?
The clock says 7 h 14 min 57 s
